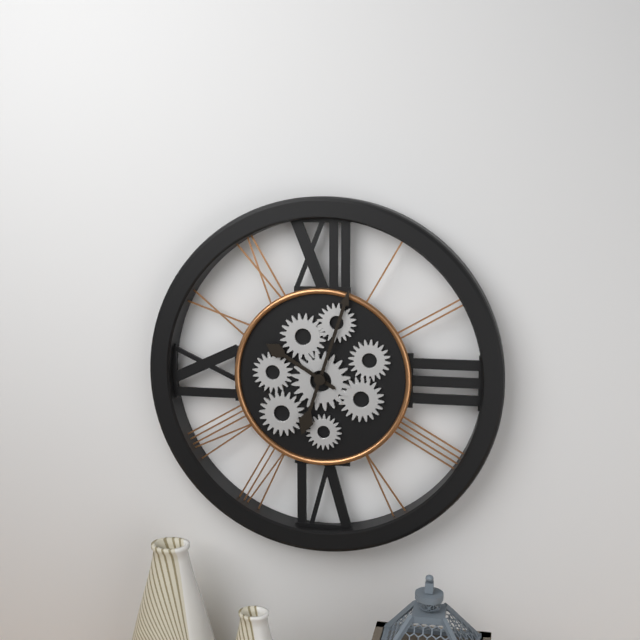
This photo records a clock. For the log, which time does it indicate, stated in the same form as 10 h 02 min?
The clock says 10 h 03 min
